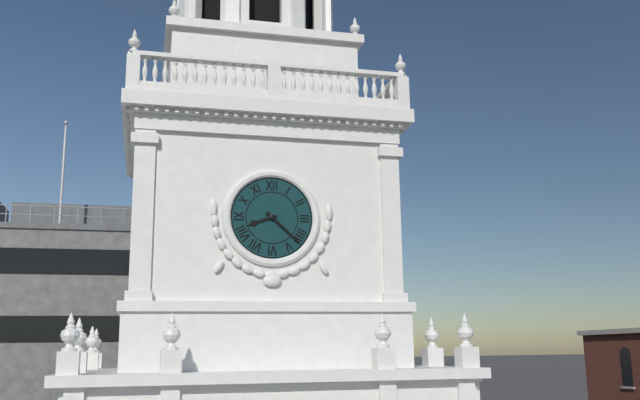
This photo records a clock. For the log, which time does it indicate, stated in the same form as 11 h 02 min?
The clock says 8 h 22 min
